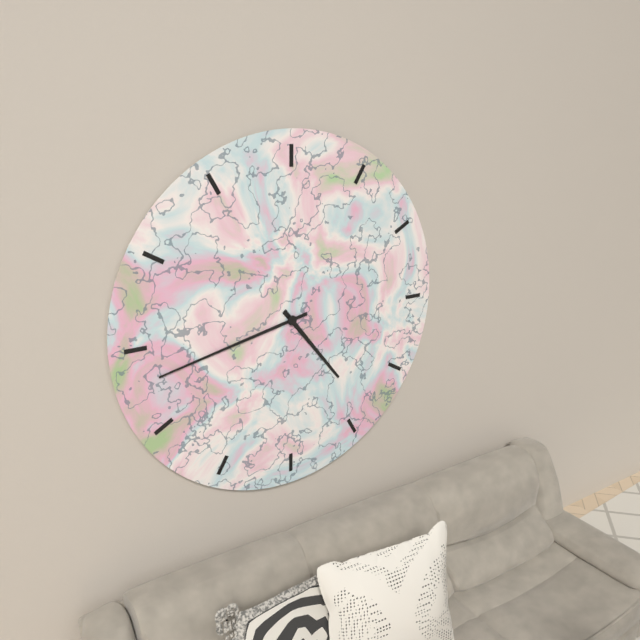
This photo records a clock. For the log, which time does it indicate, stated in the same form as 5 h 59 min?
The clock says 4 h 43 min
